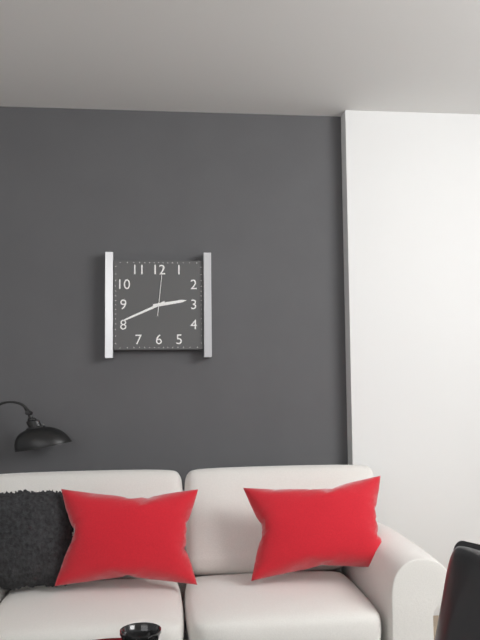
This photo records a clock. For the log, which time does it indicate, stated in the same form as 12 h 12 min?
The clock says 2 h 41 min
